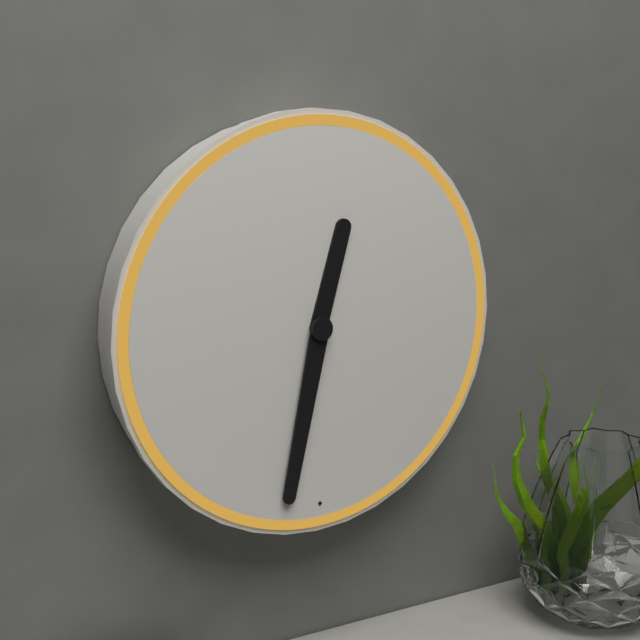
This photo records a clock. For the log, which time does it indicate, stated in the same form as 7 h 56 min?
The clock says 12 h 32 min
